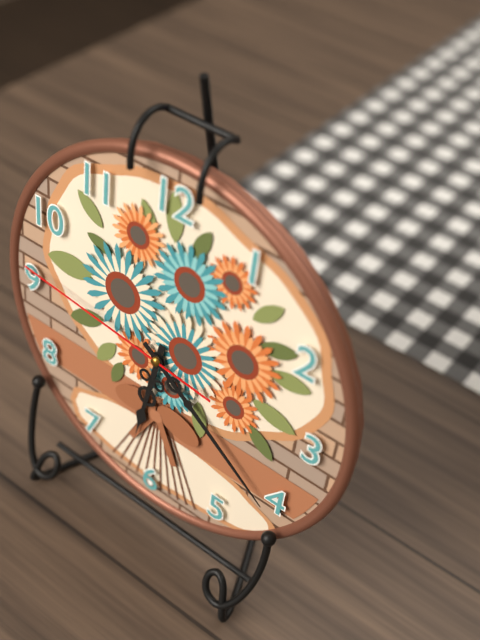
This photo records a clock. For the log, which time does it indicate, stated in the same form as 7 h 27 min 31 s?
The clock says 6 h 21 min 46 s
